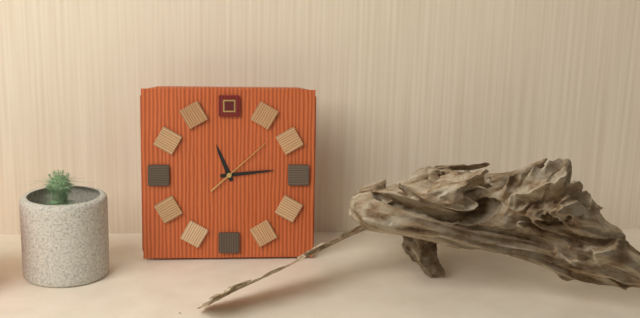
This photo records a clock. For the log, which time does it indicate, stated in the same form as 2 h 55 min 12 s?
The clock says 11 h 14 min 08 s
